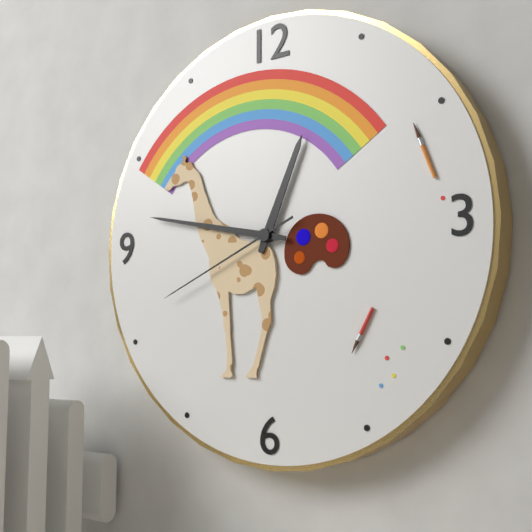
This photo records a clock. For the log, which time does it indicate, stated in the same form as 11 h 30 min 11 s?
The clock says 12 h 47 min 41 s
